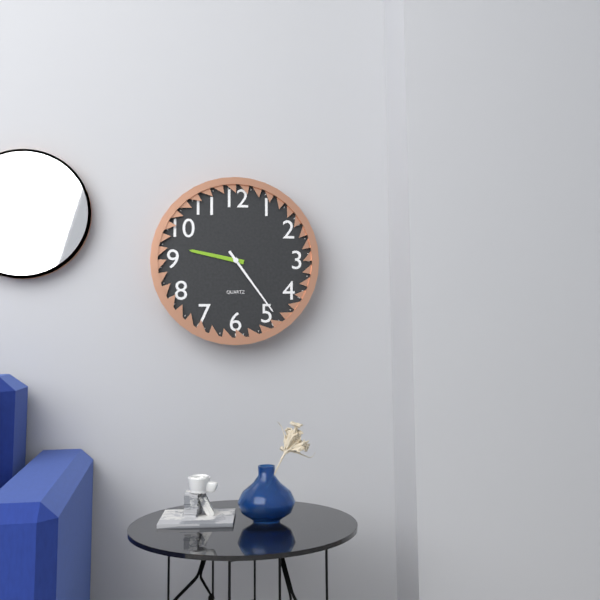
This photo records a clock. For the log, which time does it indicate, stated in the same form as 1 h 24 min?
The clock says 9 h 24 min
